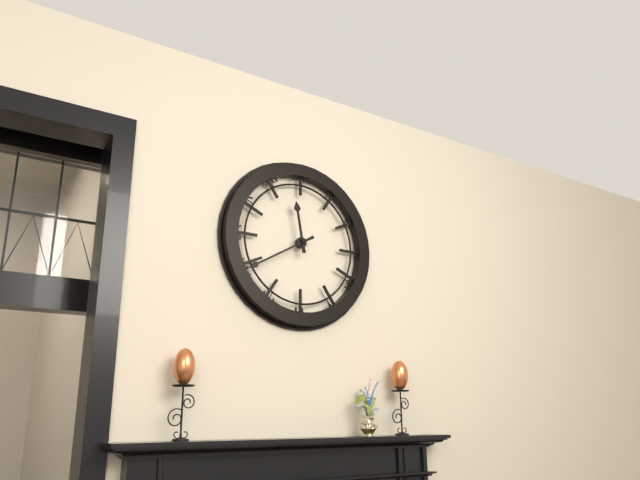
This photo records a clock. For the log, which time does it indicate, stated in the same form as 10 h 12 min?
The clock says 11 h 40 min
